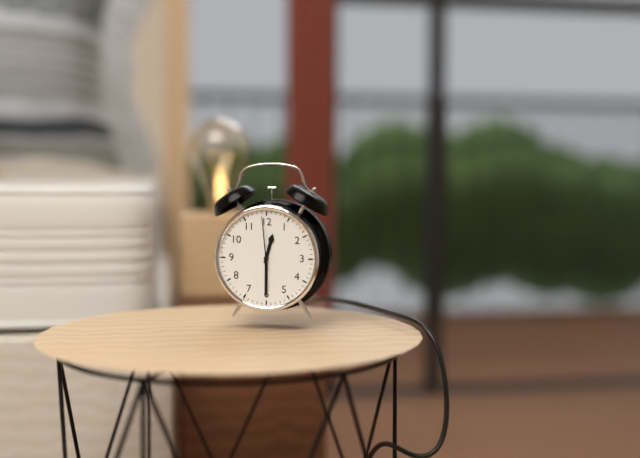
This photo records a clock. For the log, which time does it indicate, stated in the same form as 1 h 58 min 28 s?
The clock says 12 h 30 min 59 s
